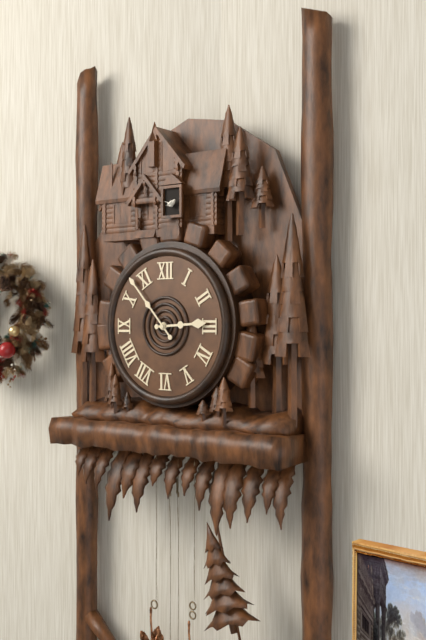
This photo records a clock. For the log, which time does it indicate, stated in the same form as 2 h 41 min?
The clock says 2 h 53 min
